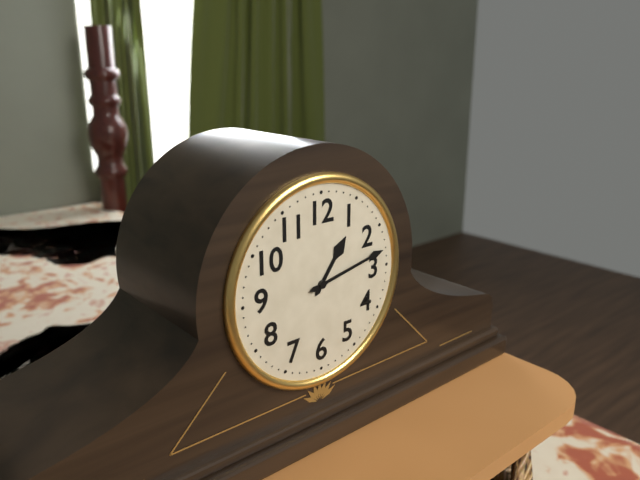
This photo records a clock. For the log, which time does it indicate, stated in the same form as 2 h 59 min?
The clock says 1 h 13 min
